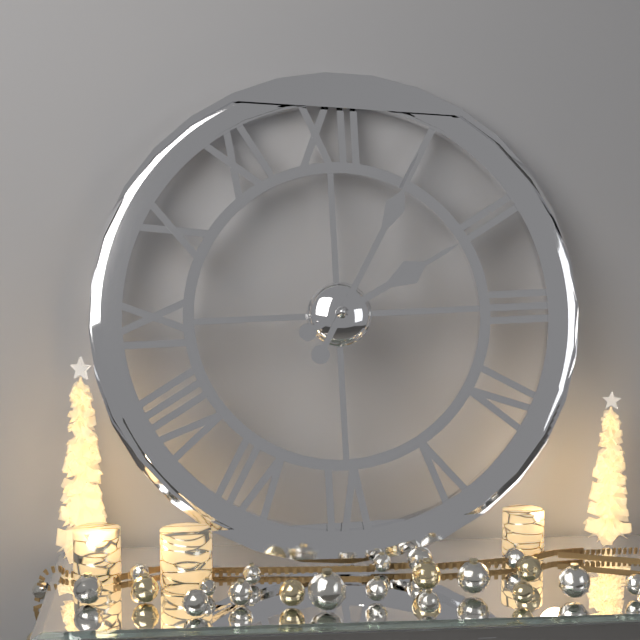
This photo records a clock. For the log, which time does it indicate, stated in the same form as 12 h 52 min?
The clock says 2 h 05 min
